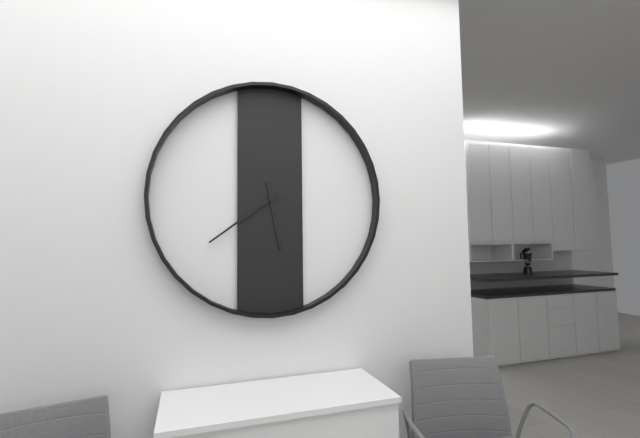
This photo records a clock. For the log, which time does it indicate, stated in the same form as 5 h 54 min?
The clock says 5 h 39 min
